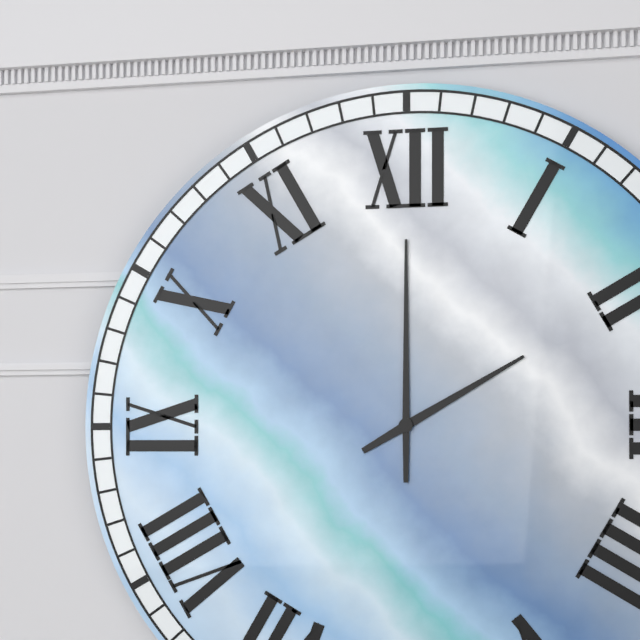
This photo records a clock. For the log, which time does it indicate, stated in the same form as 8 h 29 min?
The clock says 2 h 00 min
